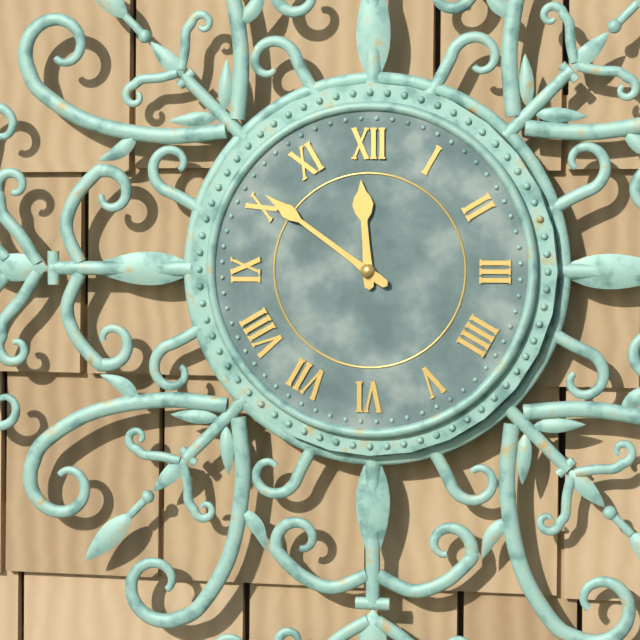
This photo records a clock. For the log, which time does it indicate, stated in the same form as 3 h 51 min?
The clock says 11 h 51 min
